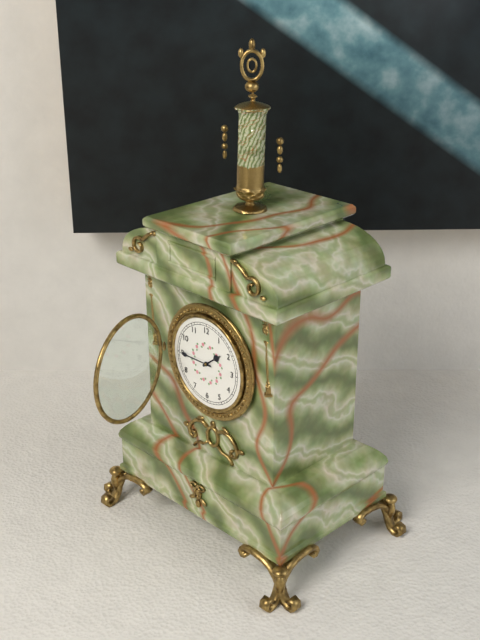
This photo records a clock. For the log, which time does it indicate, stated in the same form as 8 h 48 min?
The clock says 1 h 45 min
